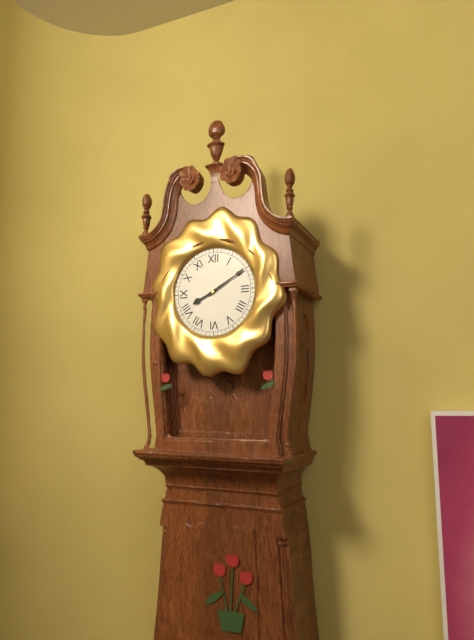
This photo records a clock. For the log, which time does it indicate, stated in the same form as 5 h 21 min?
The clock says 8 h 10 min
